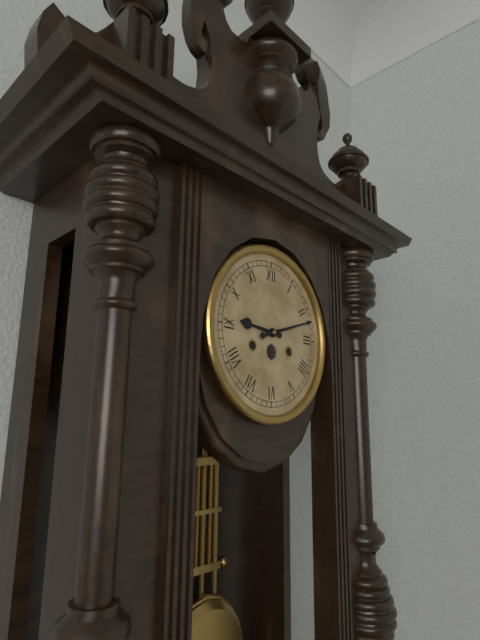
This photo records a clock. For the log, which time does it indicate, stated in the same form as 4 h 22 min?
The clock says 9 h 12 min
